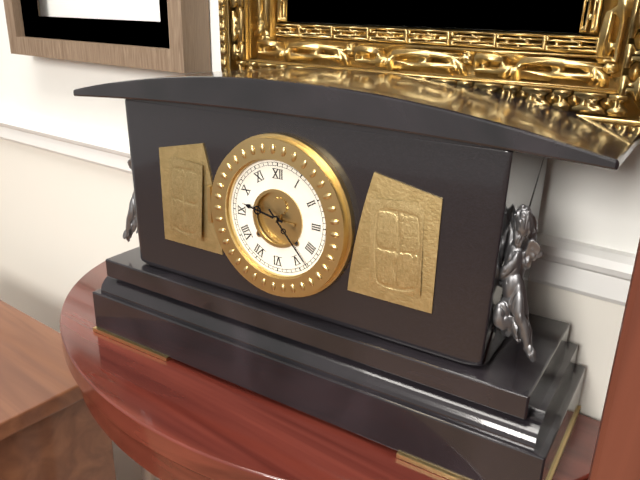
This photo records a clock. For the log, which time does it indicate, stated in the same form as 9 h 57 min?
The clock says 9 h 23 min
